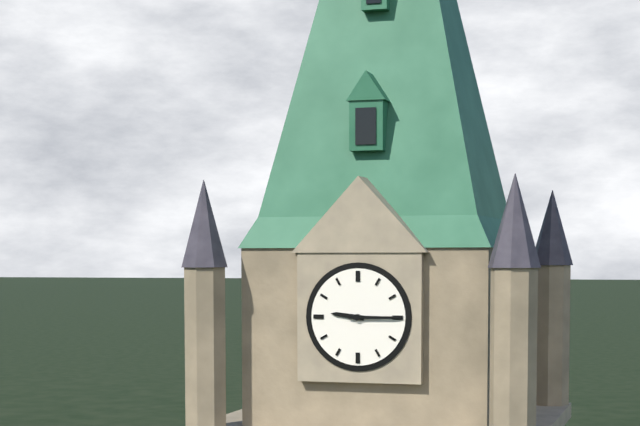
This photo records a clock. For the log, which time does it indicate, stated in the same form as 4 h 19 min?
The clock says 9 h 15 min
